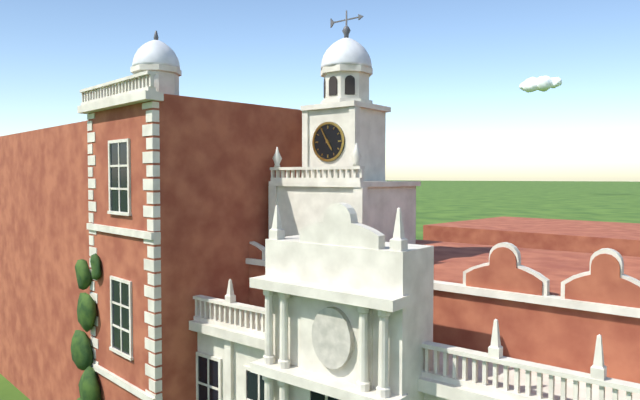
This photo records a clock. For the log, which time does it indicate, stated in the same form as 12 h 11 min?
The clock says 4 h 55 min
